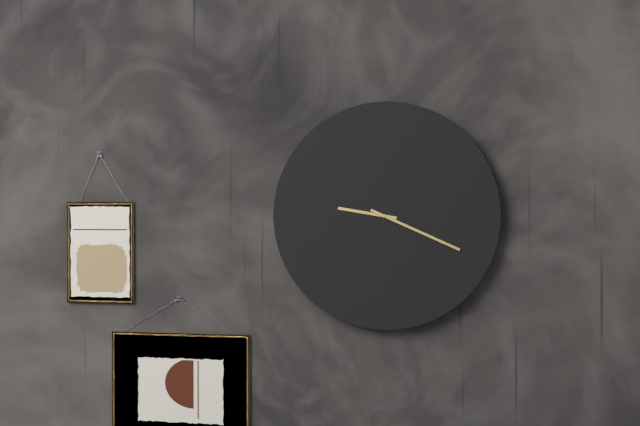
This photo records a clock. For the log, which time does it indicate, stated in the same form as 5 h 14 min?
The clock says 9 h 19 min
